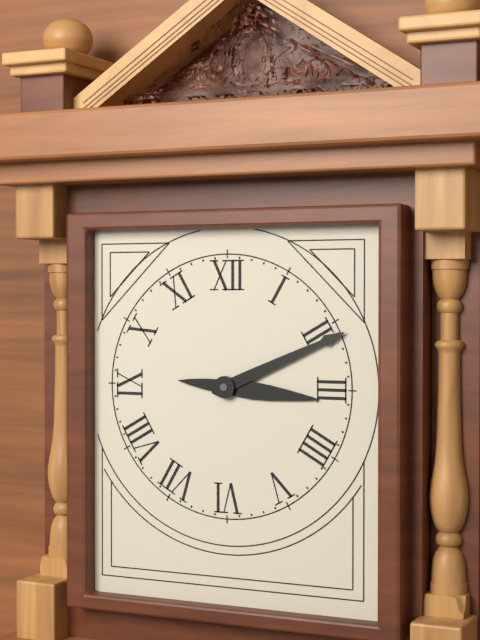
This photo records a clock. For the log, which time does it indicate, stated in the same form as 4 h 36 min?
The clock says 3 h 11 min
